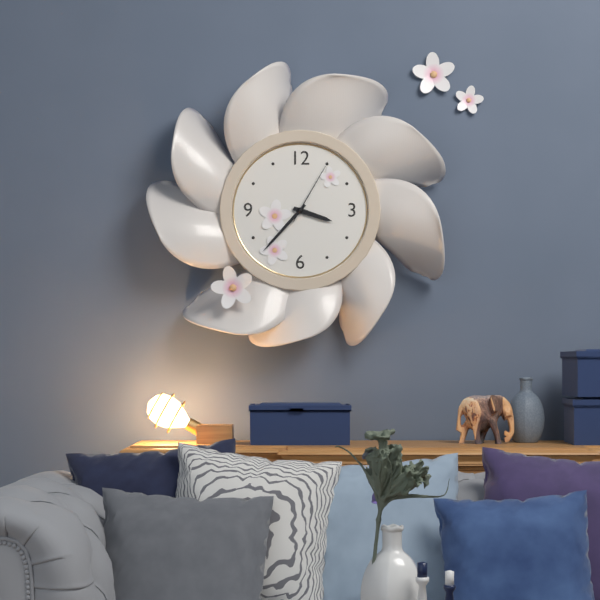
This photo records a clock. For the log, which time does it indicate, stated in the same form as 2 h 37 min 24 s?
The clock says 3 h 37 min 05 s
